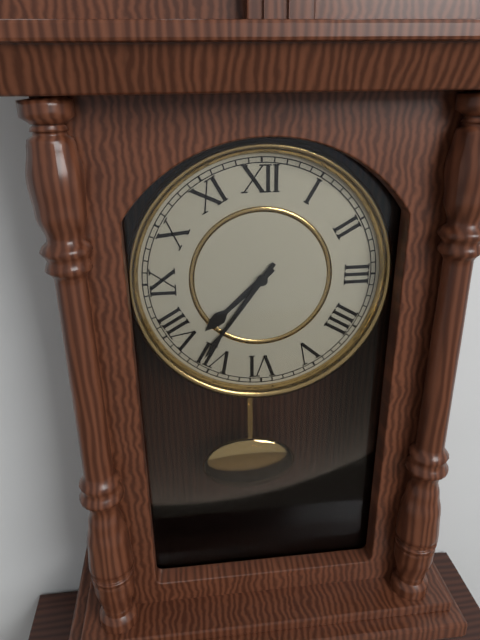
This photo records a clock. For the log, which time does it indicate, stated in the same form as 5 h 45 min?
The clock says 7 h 36 min
